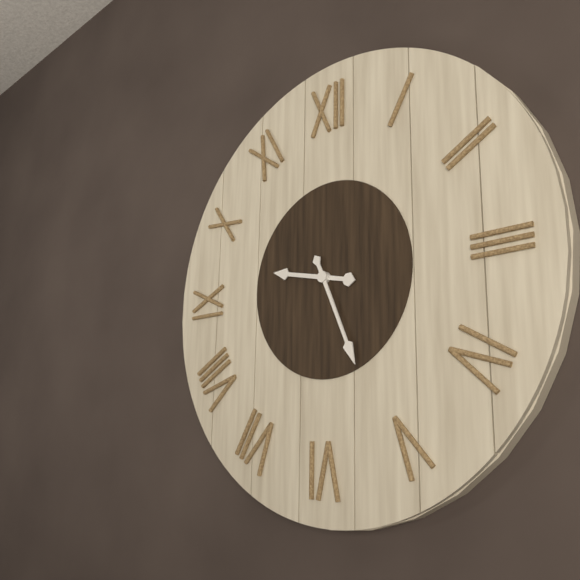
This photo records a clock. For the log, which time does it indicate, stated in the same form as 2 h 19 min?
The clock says 9 h 26 min
